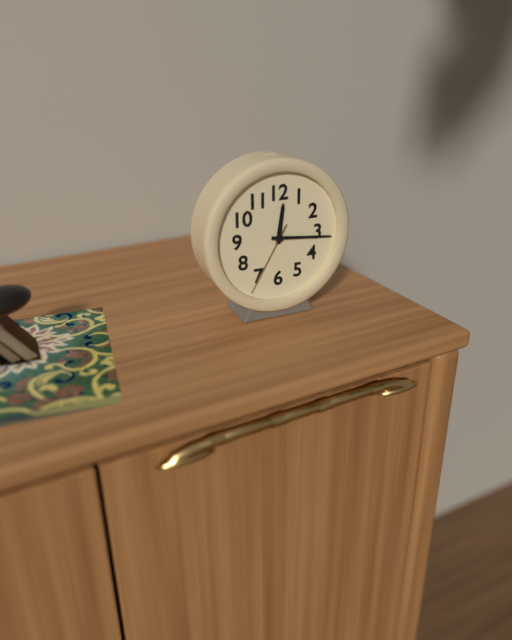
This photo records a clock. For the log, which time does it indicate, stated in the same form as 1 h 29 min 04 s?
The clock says 12 h 16 min 35 s
